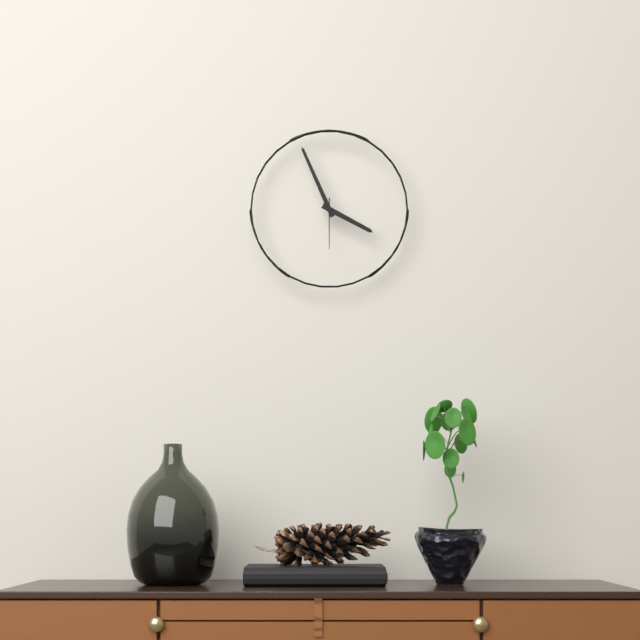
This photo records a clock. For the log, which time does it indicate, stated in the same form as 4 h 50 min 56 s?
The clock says 3 h 56 min 30 s
